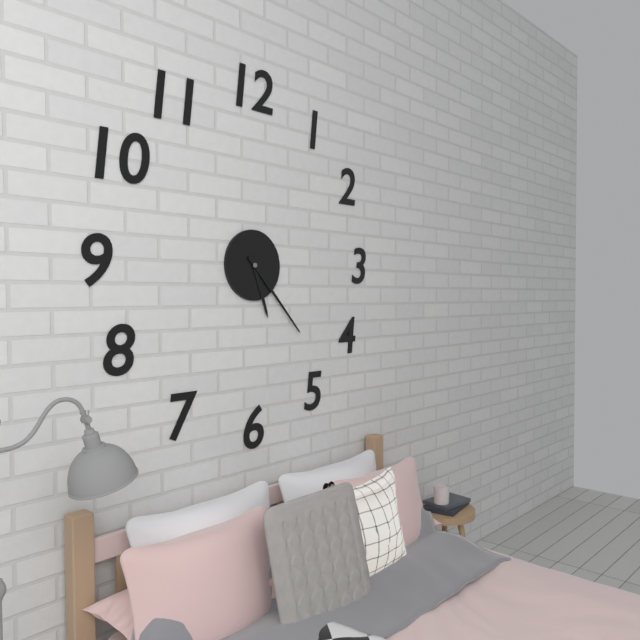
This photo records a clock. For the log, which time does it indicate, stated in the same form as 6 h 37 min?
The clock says 5 h 23 min
